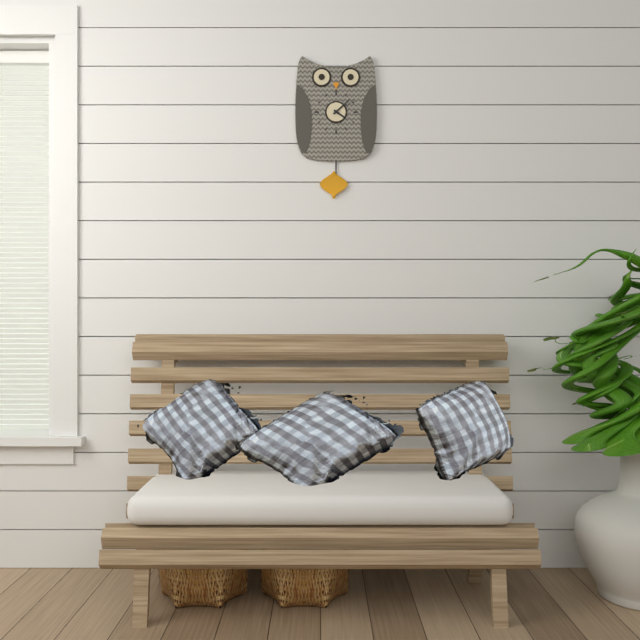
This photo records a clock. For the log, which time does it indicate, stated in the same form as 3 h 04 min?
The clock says 4 h 08 min
